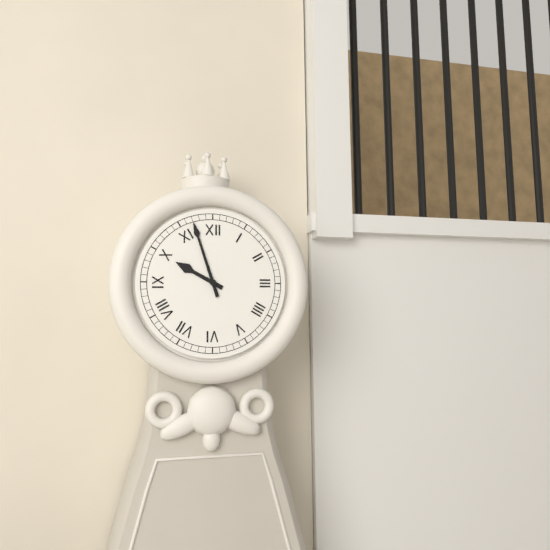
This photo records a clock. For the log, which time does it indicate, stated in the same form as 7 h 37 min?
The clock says 9 h 57 min
